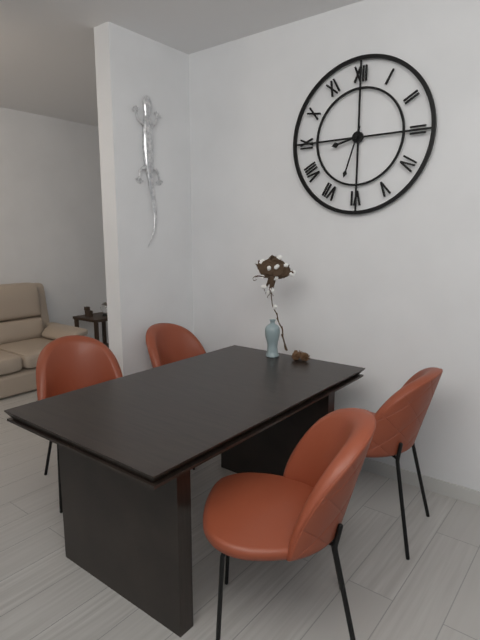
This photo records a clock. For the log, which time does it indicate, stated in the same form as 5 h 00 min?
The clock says 8 h 33 min
